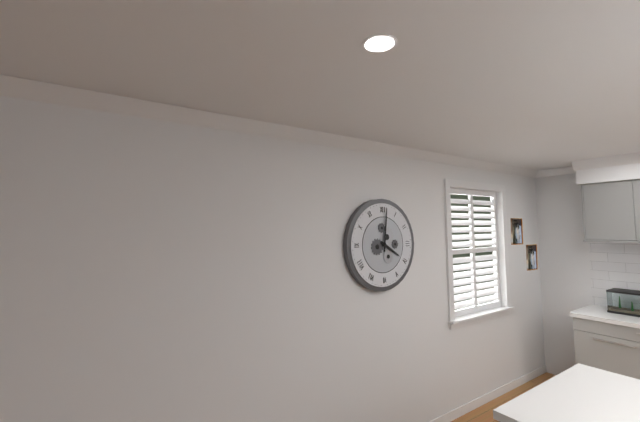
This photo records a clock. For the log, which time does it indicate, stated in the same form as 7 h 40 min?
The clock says 4 h 01 min
